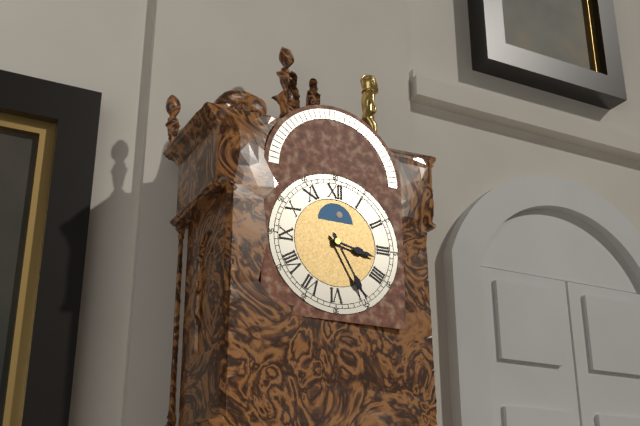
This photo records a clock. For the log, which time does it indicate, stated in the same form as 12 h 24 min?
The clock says 3 h 25 min
